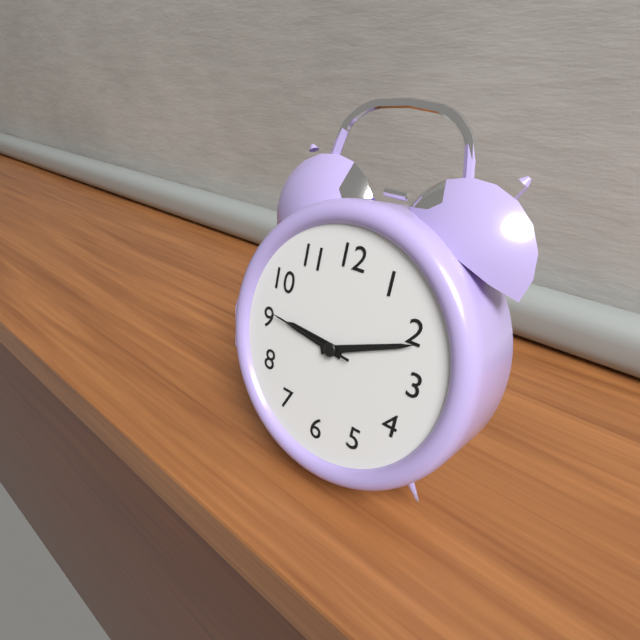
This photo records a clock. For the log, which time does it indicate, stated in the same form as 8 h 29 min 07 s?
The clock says 9 h 11 min 46 s
